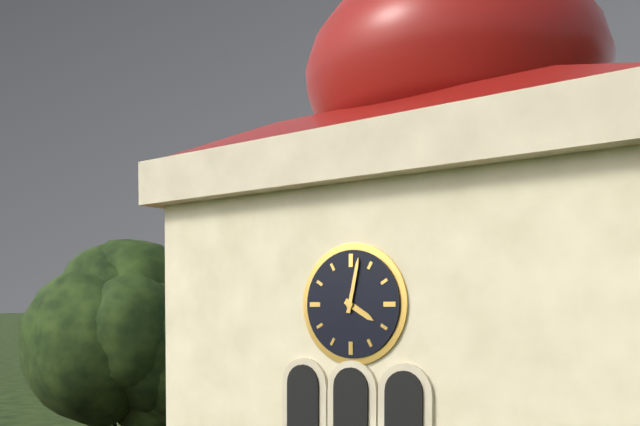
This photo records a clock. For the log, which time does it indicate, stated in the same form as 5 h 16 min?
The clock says 4 h 02 min
